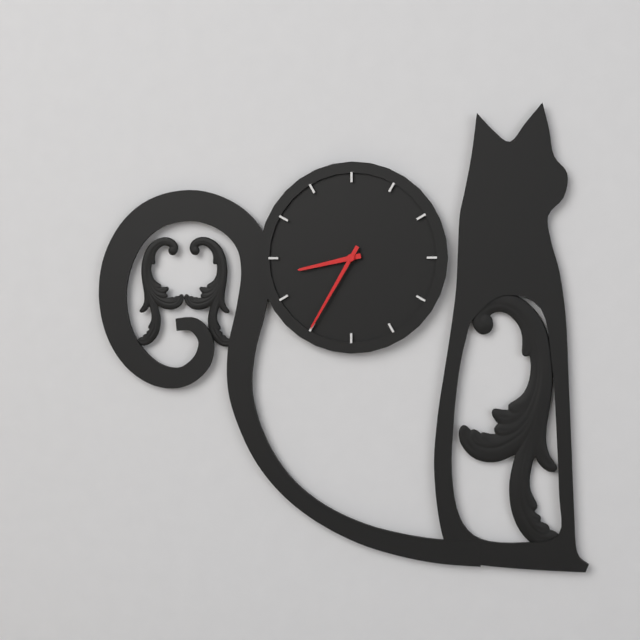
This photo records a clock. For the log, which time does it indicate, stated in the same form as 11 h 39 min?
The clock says 8 h 35 min
